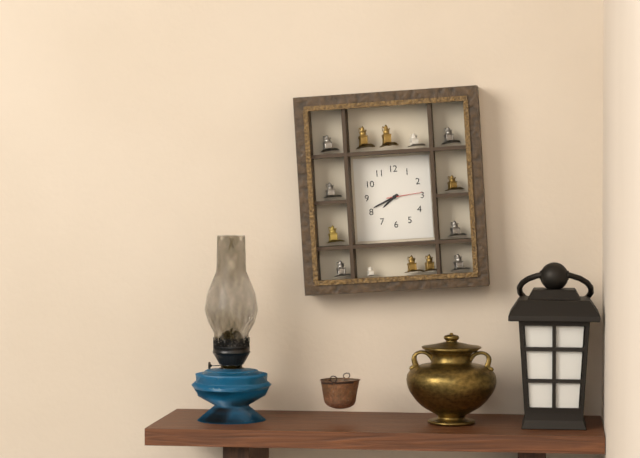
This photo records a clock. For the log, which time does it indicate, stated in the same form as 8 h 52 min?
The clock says 7 h 41 min
